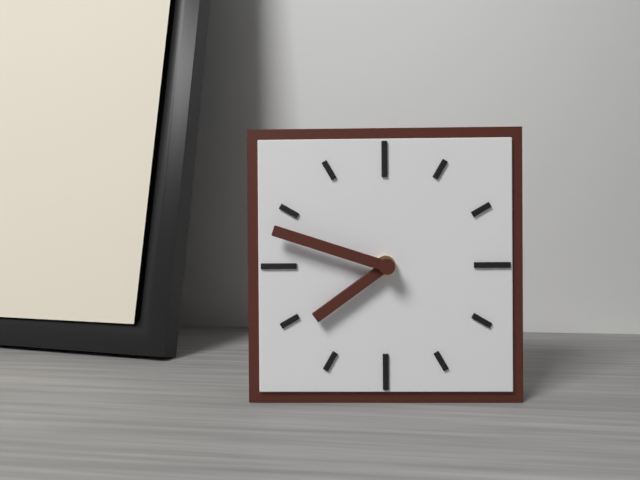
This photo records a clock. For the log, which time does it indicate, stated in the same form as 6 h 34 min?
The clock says 7 h 48 min
